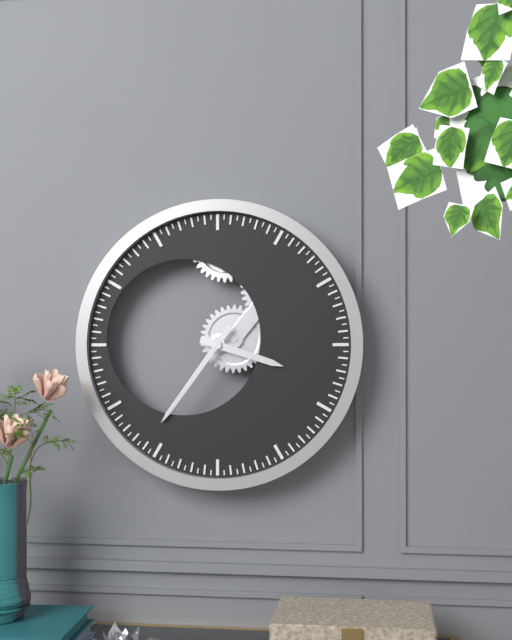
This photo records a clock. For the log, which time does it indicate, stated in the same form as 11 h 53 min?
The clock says 3 h 36 min
